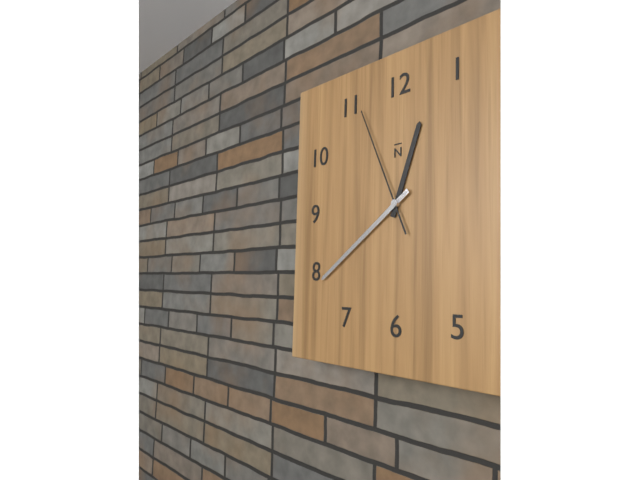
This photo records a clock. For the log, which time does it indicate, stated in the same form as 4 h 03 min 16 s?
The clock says 12 h 39 min 56 s
